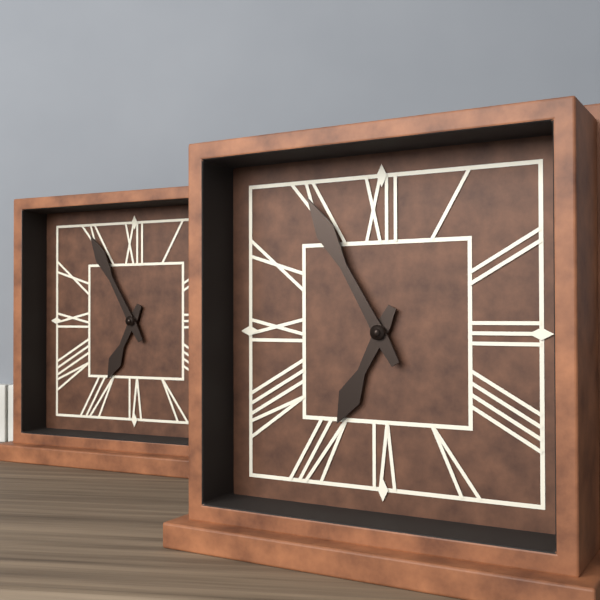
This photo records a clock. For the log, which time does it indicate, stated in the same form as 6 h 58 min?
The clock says 6 h 55 min
